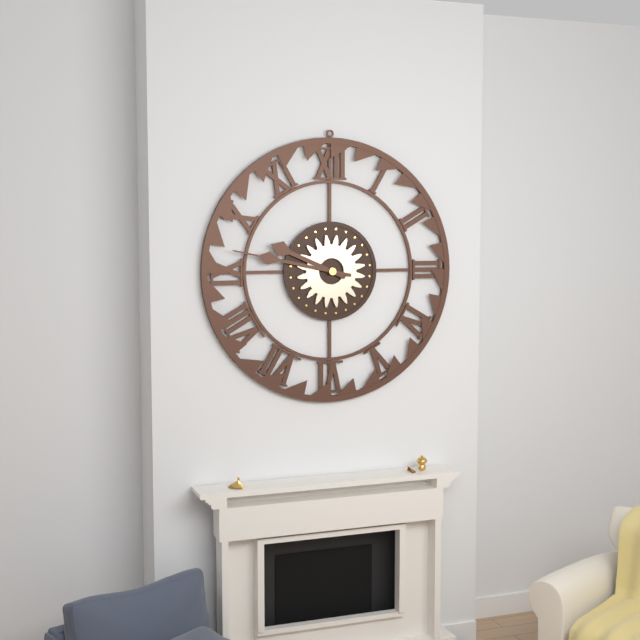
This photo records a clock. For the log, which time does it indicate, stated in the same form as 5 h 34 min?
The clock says 9 h 47 min
